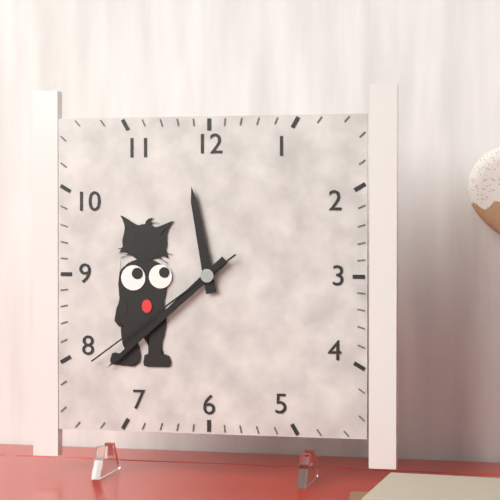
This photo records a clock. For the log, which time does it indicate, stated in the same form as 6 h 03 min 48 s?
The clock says 11 h 38 min 39 s
